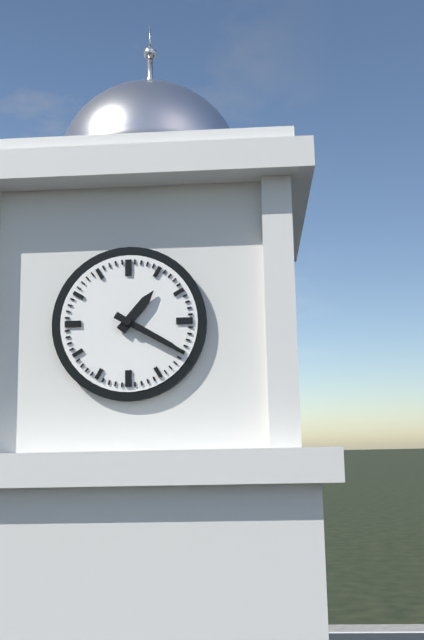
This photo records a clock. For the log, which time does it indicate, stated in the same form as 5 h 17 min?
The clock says 1 h 20 min
